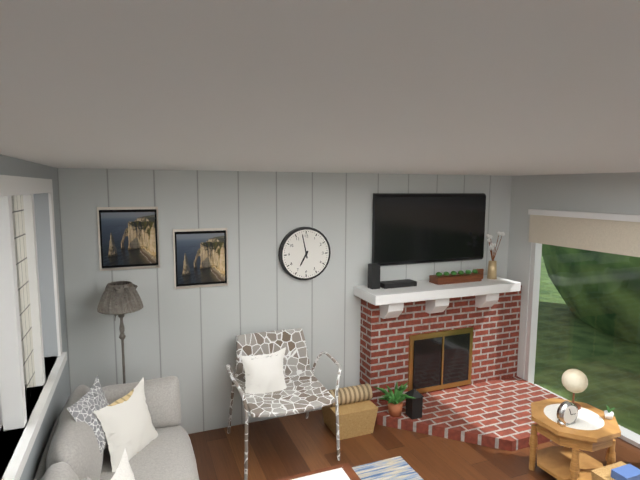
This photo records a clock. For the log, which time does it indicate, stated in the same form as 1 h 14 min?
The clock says 6 h 58 min
